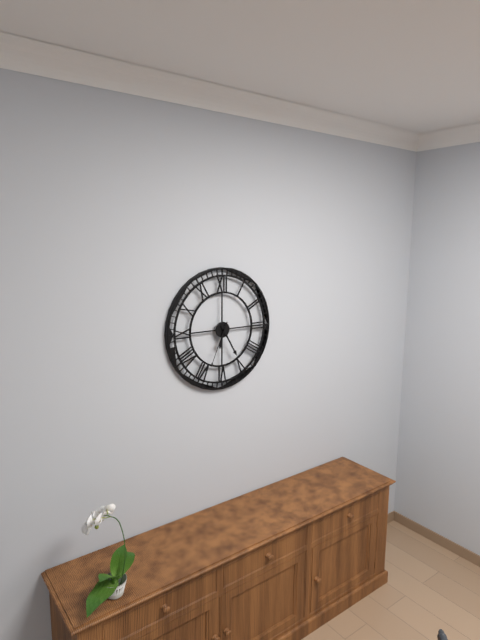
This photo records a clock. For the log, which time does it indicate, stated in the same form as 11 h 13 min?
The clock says 6 h 25 min
